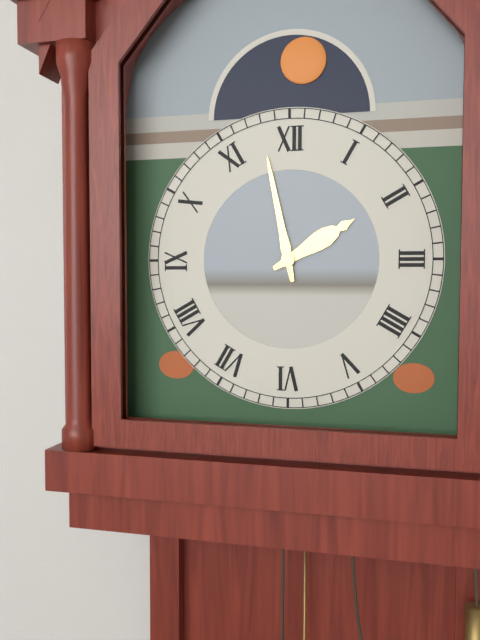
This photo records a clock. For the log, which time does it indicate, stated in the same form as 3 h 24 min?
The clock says 1 h 58 min
